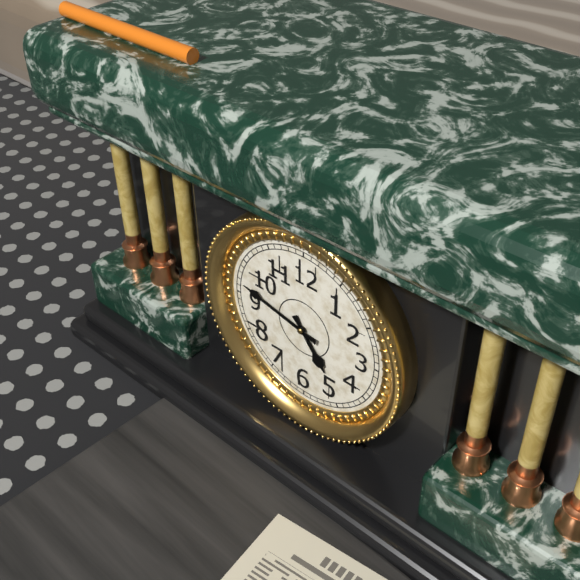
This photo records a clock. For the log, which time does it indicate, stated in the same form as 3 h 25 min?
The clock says 4 h 47 min
